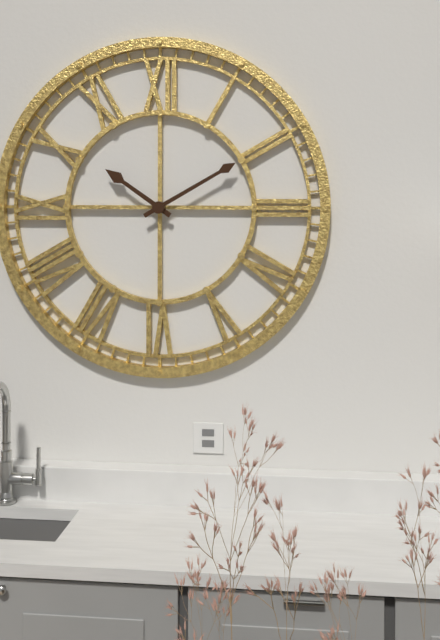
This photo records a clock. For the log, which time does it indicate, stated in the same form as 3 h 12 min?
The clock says 10 h 10 min
